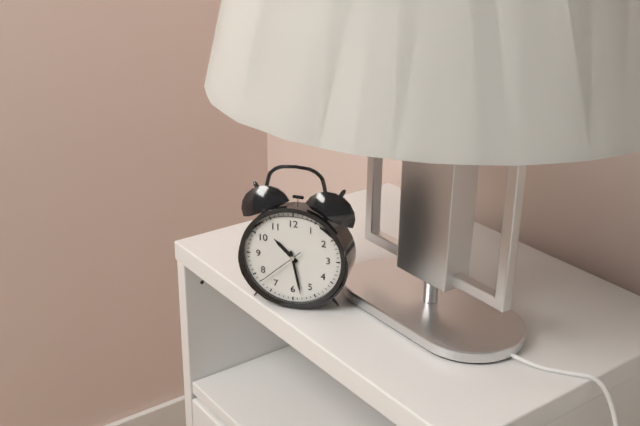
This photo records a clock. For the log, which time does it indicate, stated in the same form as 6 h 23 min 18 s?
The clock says 10 h 28 min 38 s
